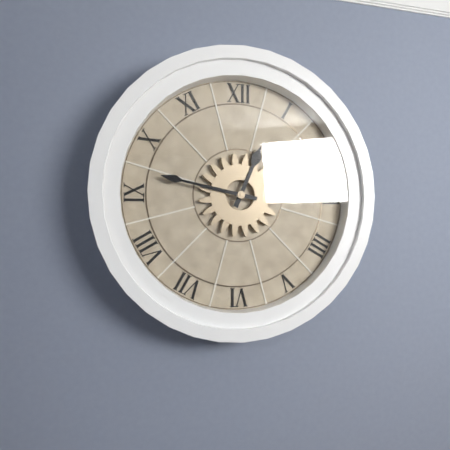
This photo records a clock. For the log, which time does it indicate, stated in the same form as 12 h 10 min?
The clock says 12 h 47 min
